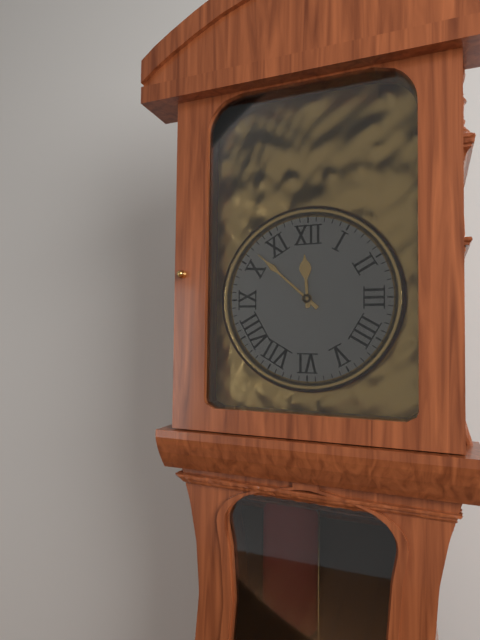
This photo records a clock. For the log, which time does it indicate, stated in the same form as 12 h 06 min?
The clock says 11 h 52 min
